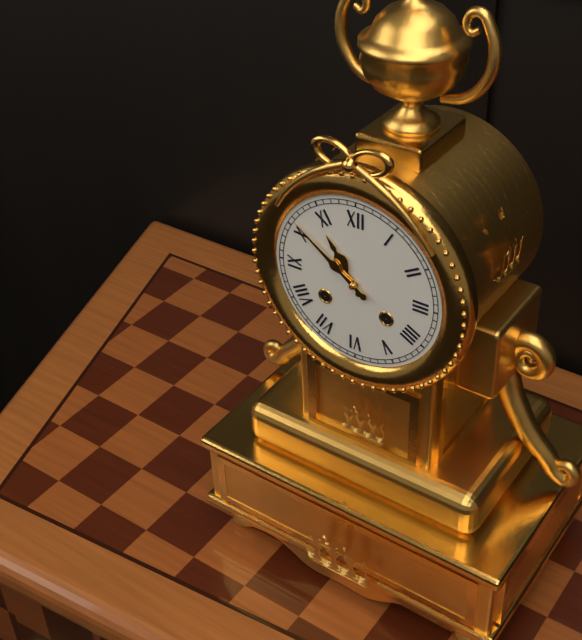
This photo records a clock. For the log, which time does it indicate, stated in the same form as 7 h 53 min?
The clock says 10 h 51 min
